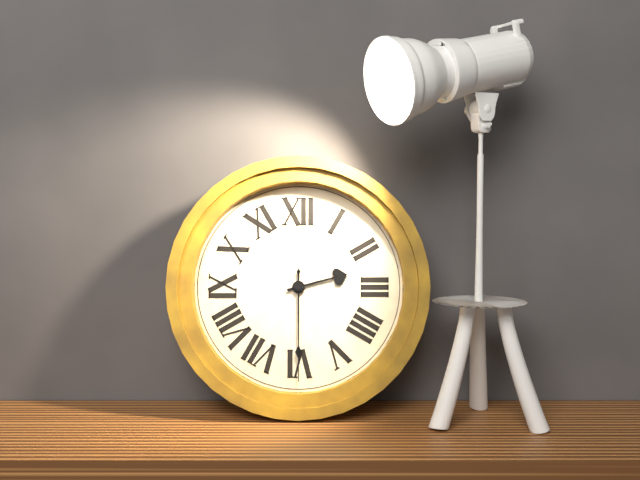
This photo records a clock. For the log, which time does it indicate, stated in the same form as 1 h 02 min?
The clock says 2 h 30 min
